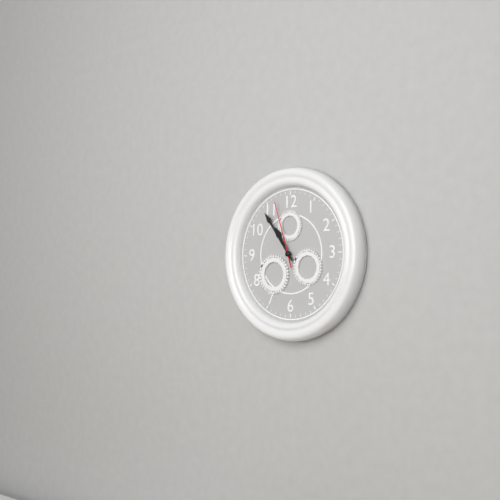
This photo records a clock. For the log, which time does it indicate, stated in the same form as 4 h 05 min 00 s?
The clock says 10 h 54 min 57 s
